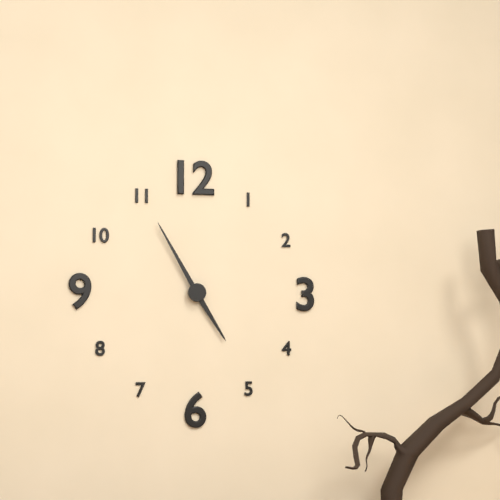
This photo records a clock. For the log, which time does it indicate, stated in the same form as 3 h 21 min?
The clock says 4 h 55 min
